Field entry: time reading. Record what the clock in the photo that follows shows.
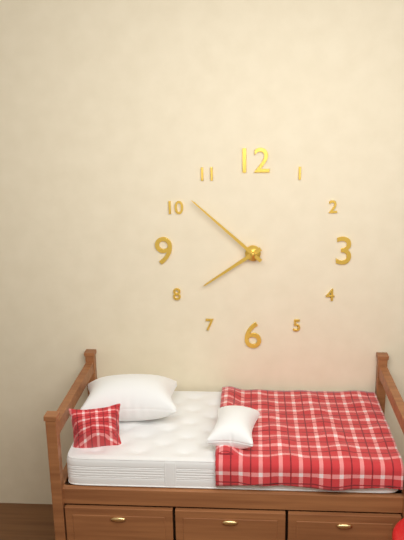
7:52
